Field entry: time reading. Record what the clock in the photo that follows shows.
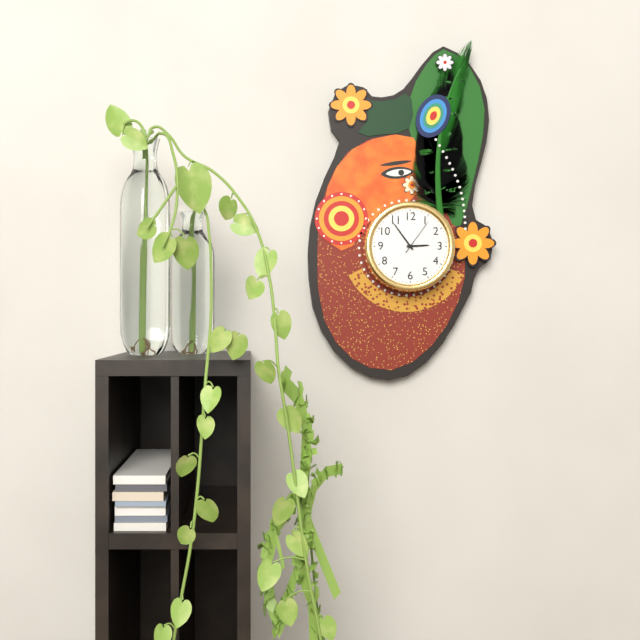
2:54
